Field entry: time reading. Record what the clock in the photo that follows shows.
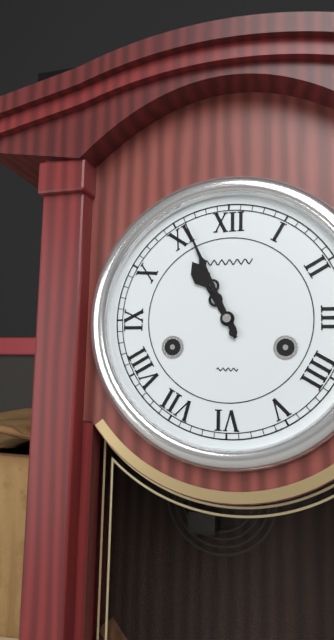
10:56
